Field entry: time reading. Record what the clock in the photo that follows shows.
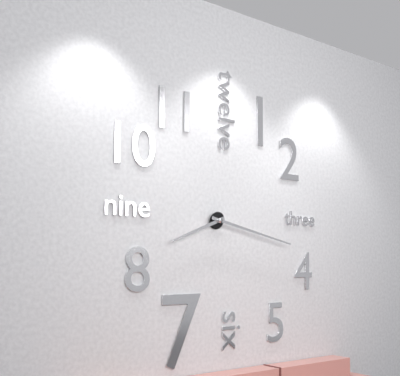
8:17
